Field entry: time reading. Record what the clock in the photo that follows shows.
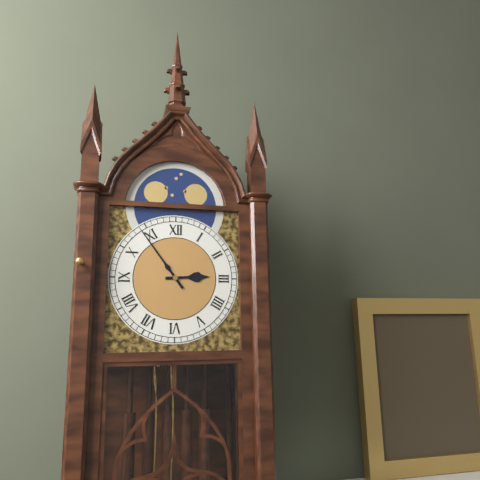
2:54
